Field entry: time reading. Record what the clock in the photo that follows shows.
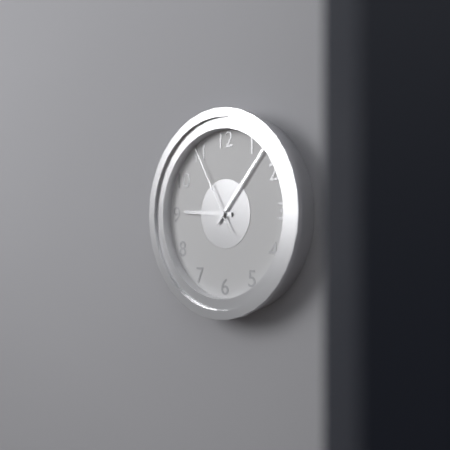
9:07:55
